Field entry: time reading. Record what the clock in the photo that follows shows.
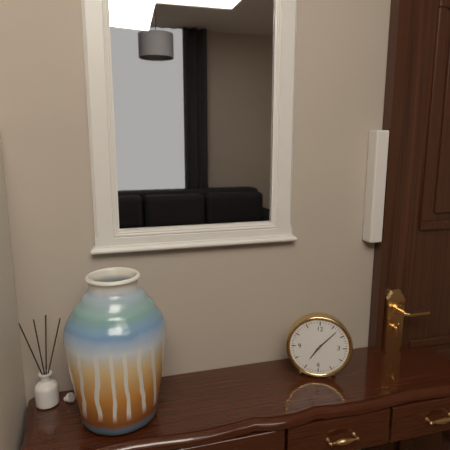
7:07
